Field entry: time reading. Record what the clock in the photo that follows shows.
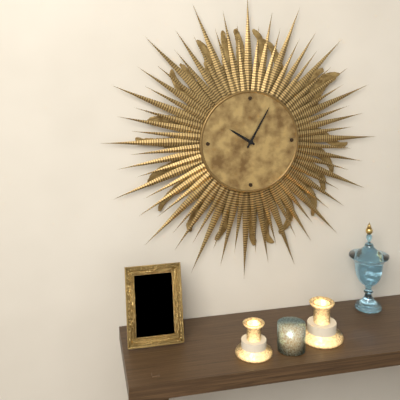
10:05
